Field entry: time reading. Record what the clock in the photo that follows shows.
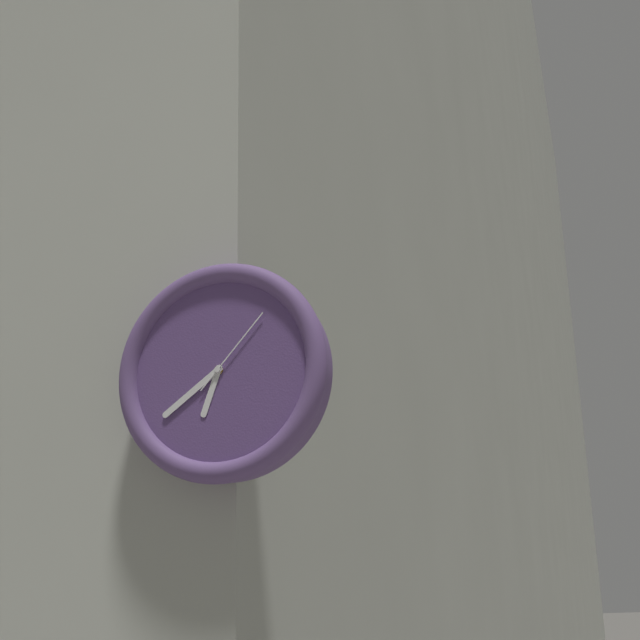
6:39:07
